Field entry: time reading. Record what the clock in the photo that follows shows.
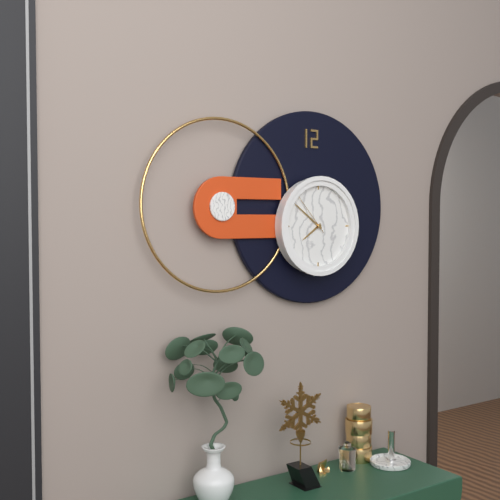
7:51
